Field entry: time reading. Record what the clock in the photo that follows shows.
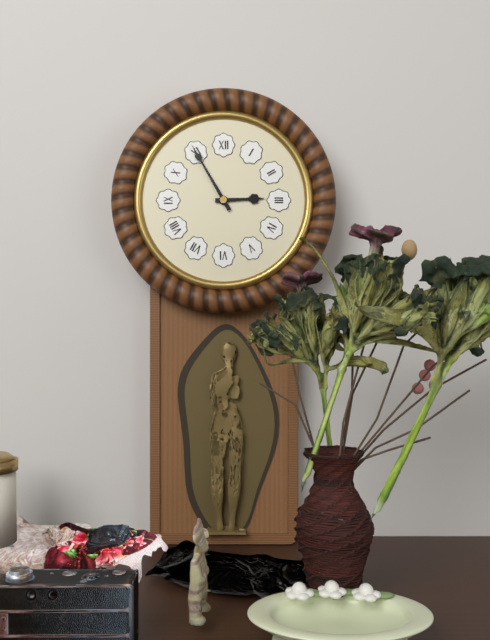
2:55
